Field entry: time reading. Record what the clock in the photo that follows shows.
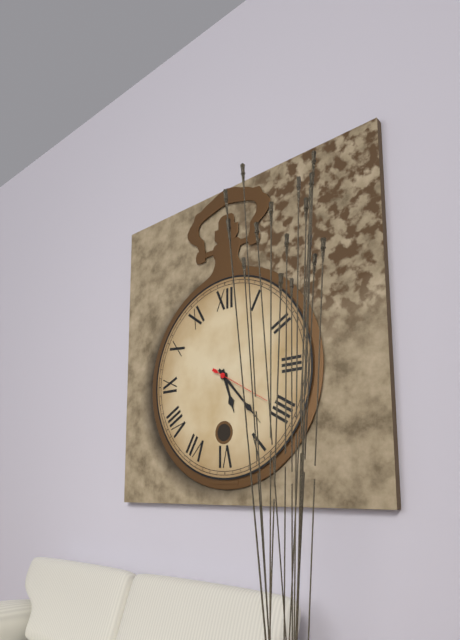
5:23:20
